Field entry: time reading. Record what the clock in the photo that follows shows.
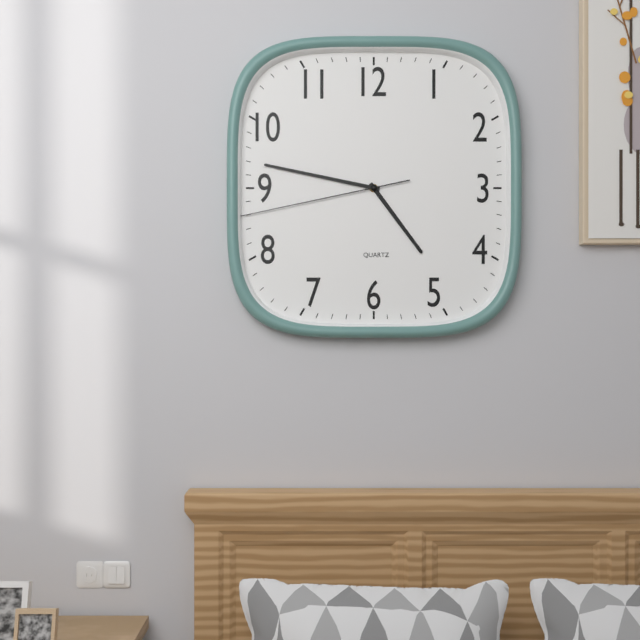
4:47:43
